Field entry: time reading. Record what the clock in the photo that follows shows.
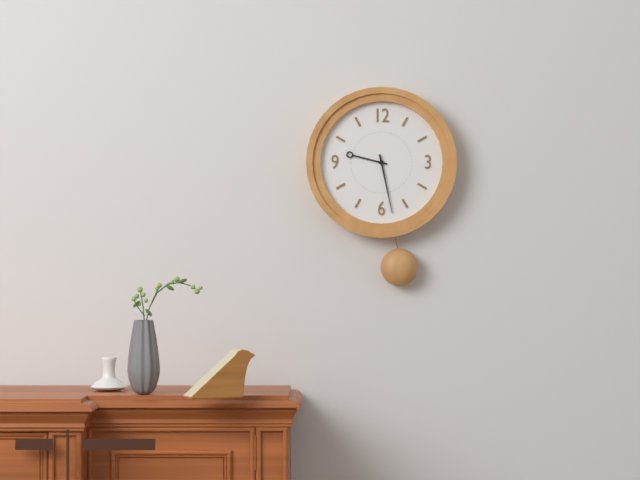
9:28
